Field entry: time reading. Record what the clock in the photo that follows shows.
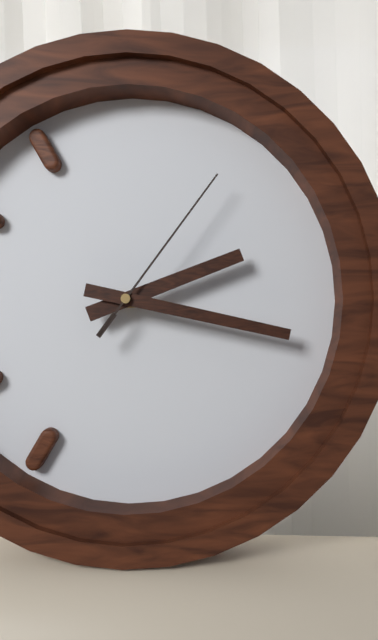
2:17:06
